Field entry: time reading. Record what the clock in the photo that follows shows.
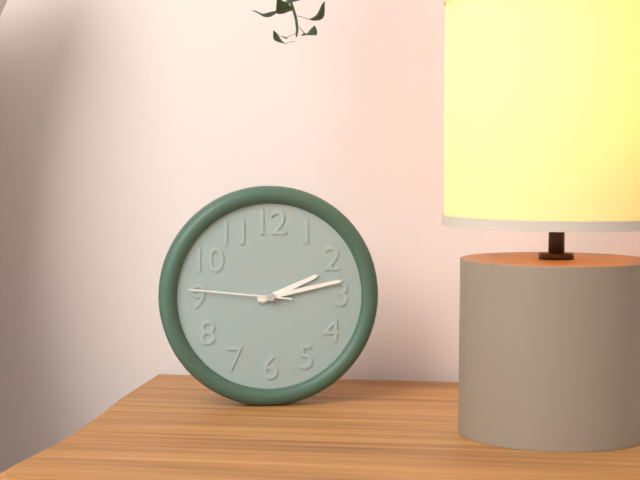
2:13:46
